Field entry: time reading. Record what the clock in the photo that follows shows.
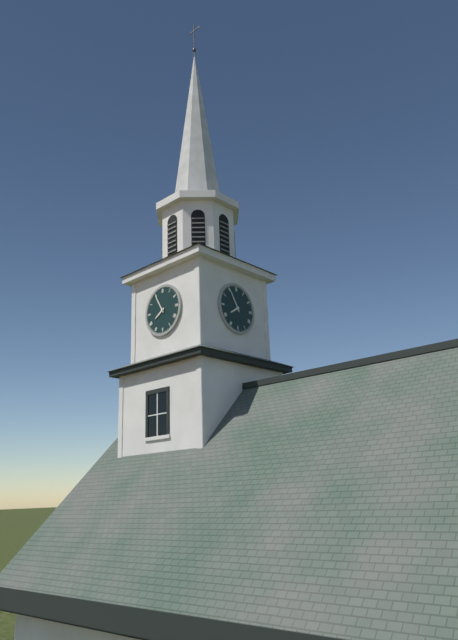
7:55
